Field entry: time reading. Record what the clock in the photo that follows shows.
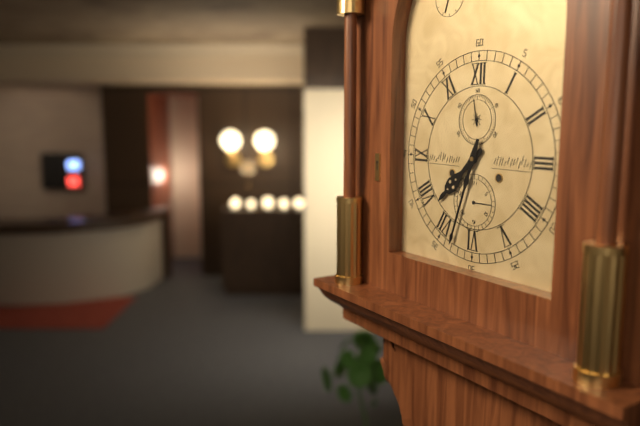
7:33
